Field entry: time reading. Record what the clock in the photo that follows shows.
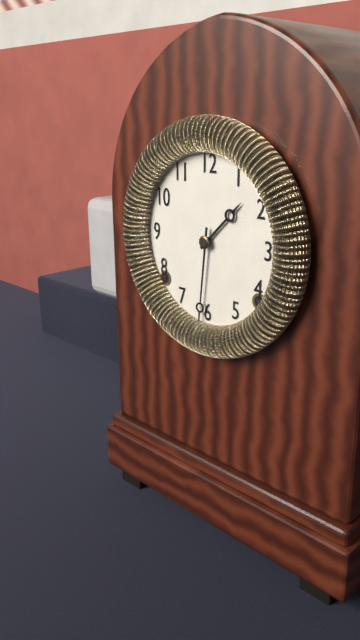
1:31
